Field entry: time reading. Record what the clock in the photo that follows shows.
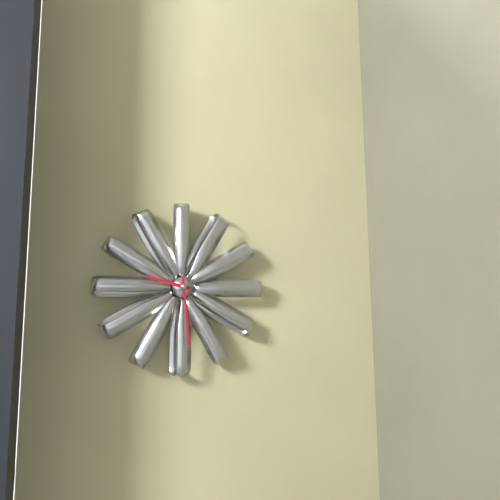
9:29
